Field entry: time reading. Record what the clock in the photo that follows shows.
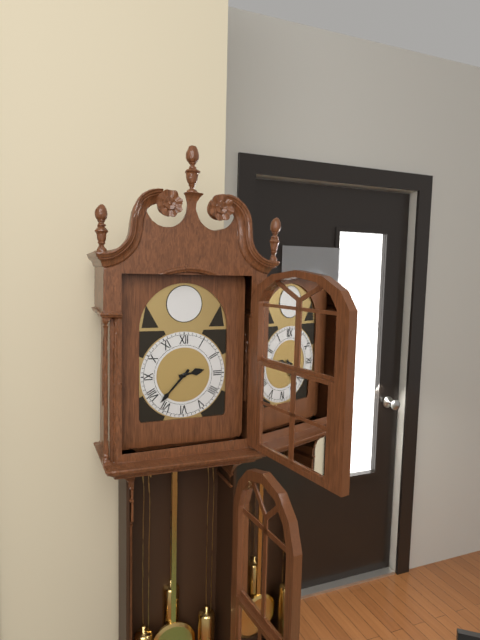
2:37
